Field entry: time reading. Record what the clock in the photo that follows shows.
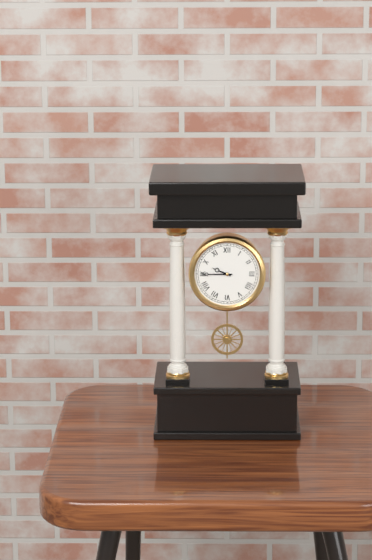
9:45
